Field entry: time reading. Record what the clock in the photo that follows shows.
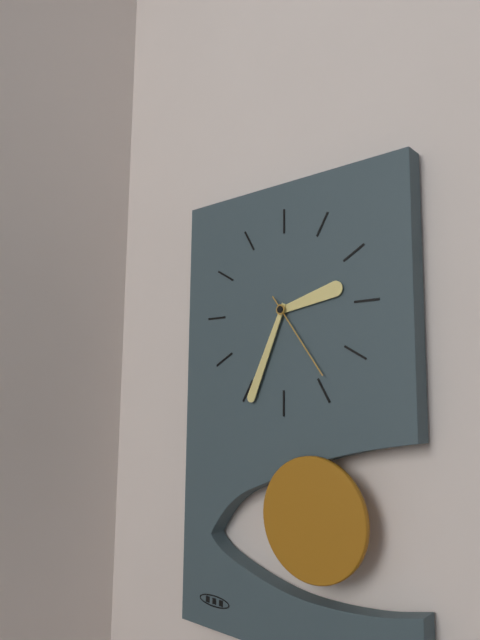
2:34:24
